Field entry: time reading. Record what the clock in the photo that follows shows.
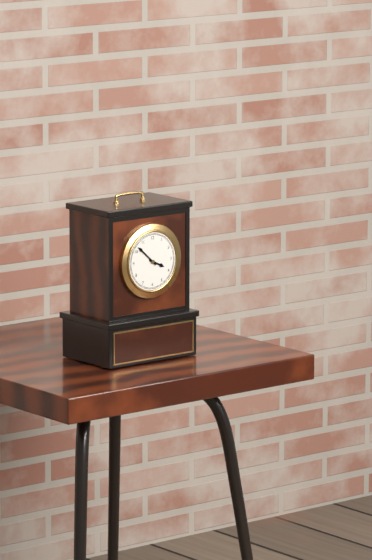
3:52
